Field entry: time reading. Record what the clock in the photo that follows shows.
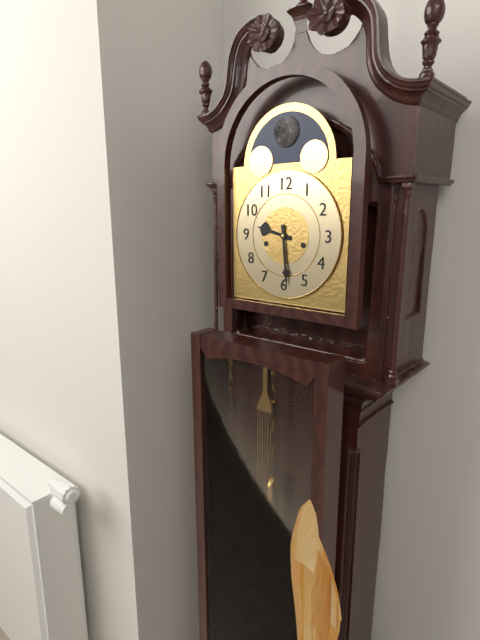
9:29
